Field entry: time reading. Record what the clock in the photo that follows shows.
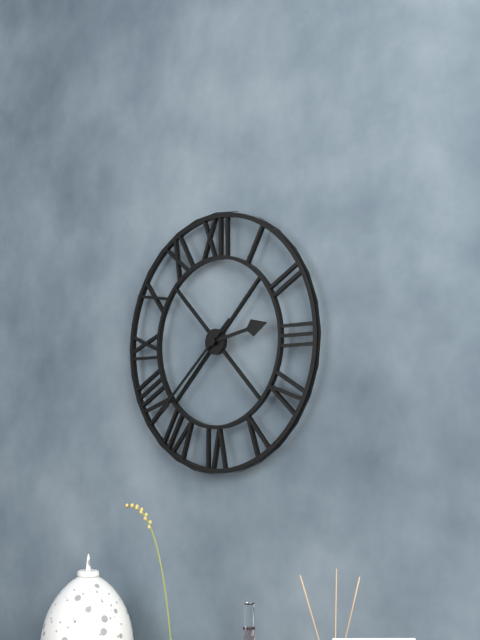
2:38
